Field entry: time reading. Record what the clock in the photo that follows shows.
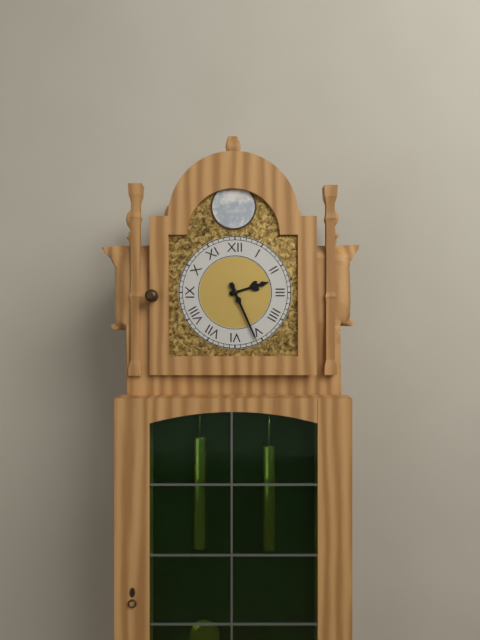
2:26
